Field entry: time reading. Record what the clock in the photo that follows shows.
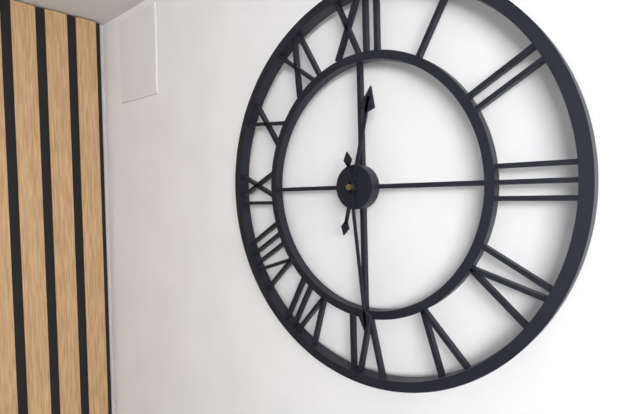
12:29
